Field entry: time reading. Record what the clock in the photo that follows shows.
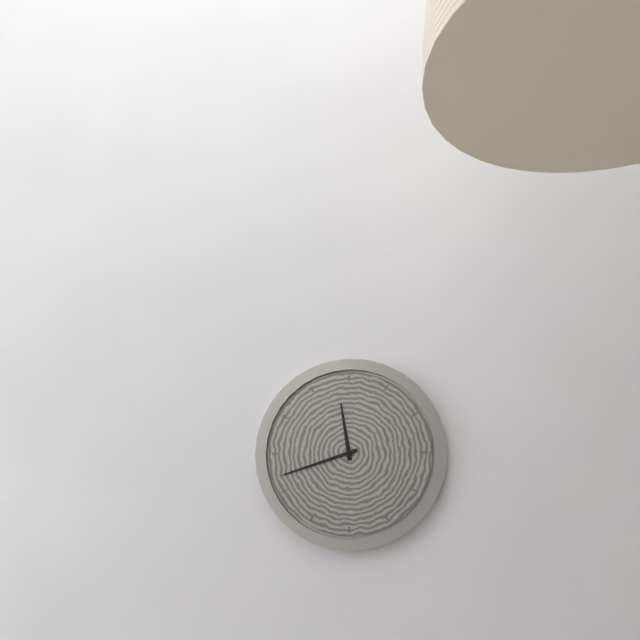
11:42
